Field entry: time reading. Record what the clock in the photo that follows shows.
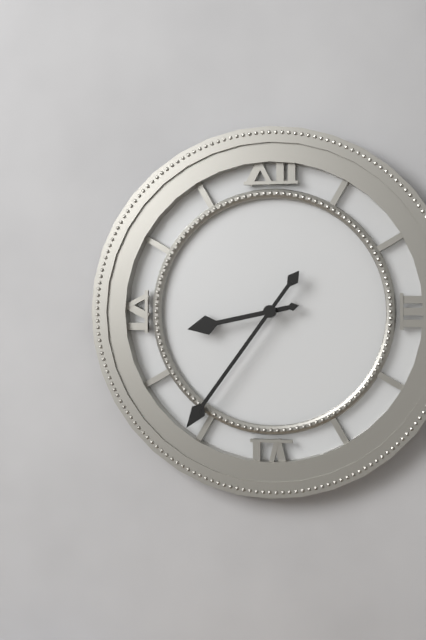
8:36
